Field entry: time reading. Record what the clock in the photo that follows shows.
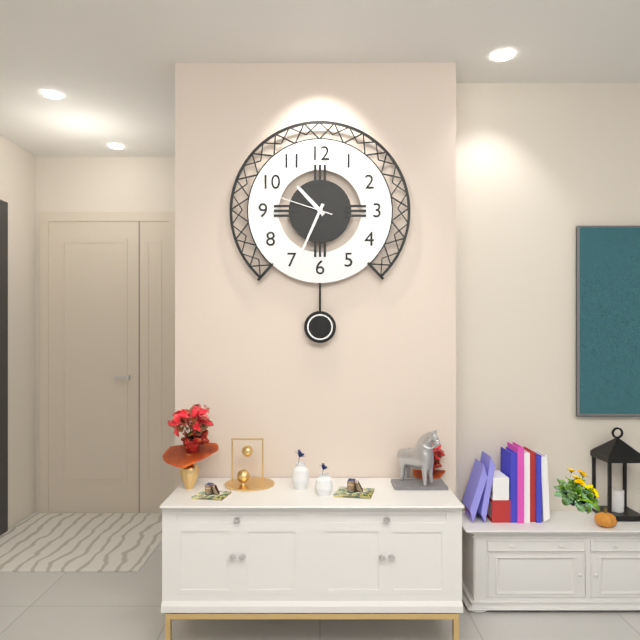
10:34:48
